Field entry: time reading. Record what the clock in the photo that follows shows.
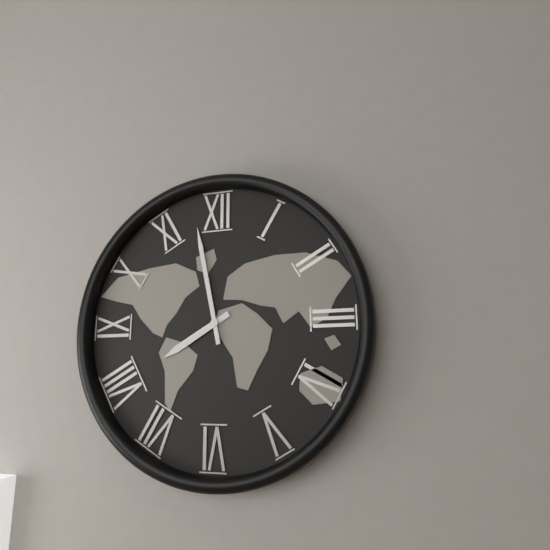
7:58
